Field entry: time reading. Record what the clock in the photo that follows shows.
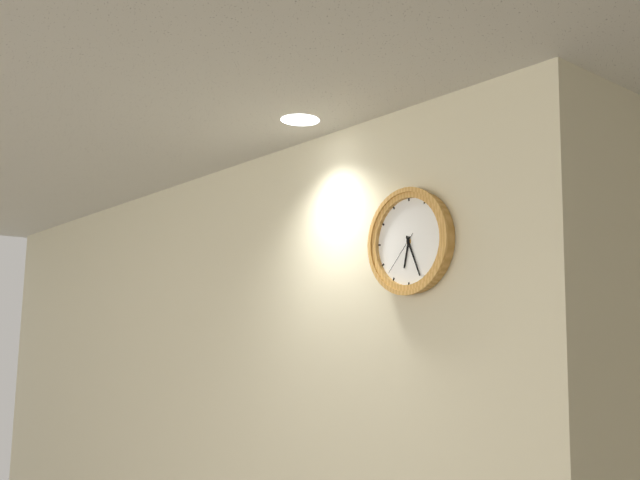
6:26
